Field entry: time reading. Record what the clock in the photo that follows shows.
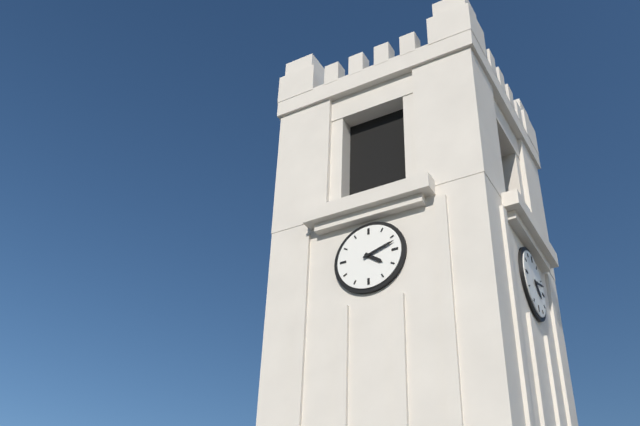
4:12
